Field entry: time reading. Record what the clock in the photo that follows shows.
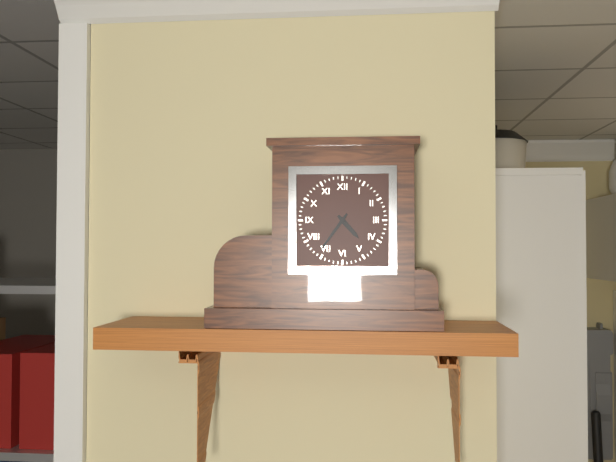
4:36
